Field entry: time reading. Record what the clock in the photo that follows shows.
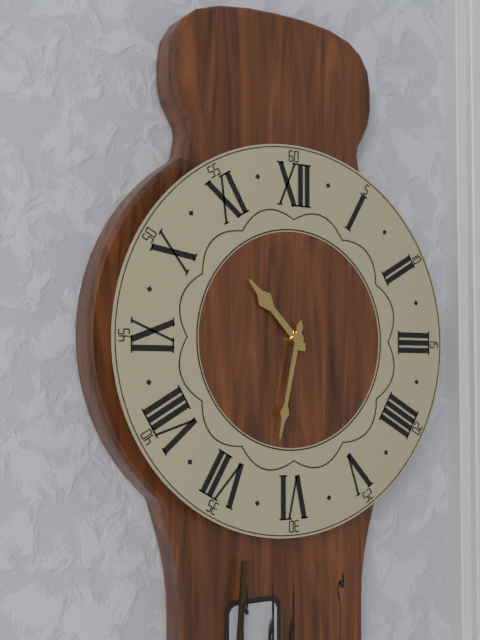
10:32
